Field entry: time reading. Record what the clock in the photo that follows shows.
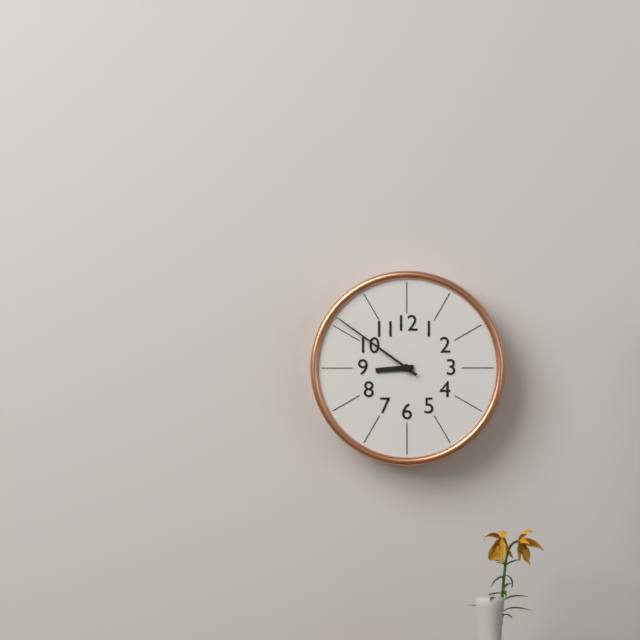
8:51
